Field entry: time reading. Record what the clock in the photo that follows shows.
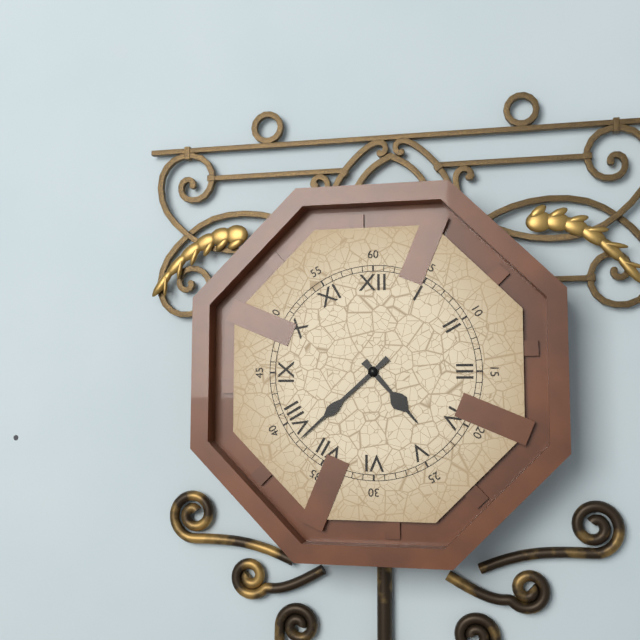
4:38
